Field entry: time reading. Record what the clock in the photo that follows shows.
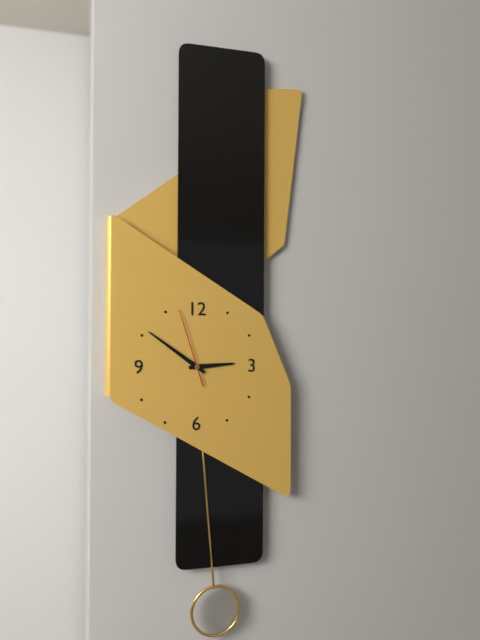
2:51:57
